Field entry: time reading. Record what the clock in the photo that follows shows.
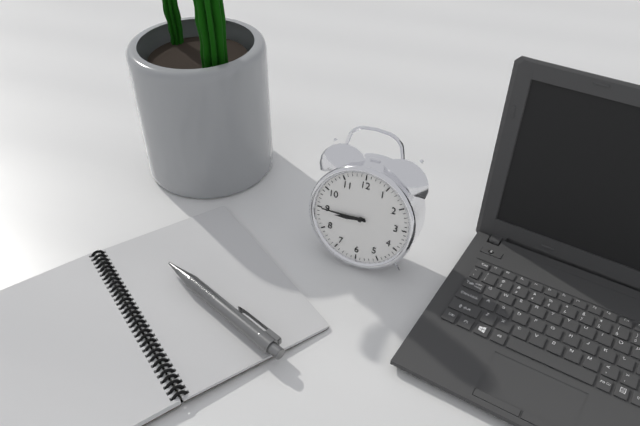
8:45
